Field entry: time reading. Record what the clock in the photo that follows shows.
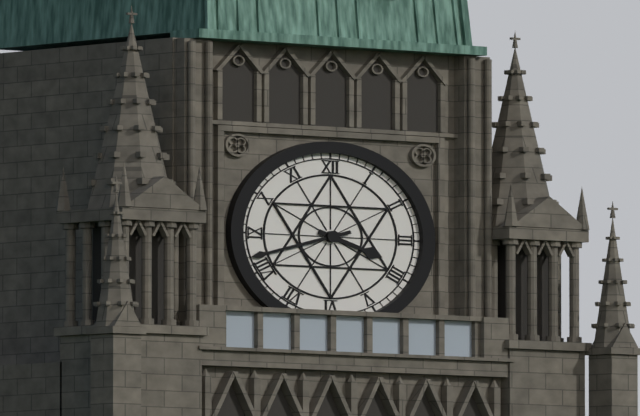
3:42
